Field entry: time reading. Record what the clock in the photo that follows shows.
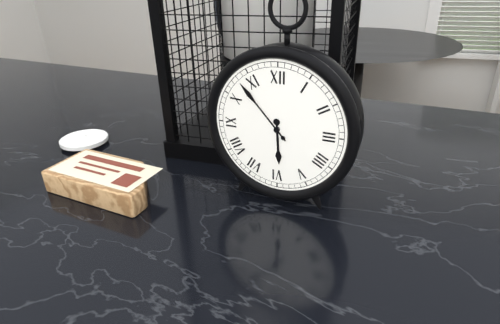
5:53
